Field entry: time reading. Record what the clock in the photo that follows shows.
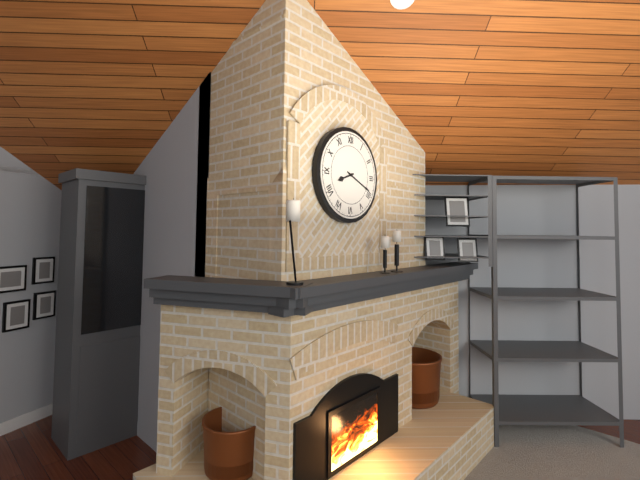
8:19
